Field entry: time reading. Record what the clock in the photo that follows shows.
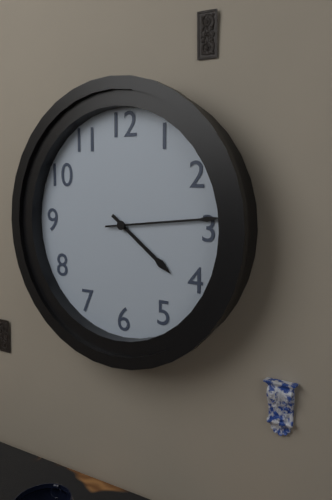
4:14
